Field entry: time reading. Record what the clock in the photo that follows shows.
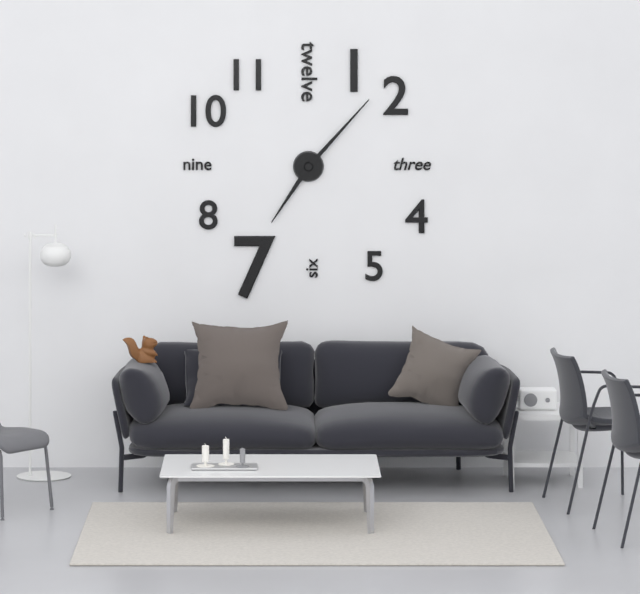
7:07
